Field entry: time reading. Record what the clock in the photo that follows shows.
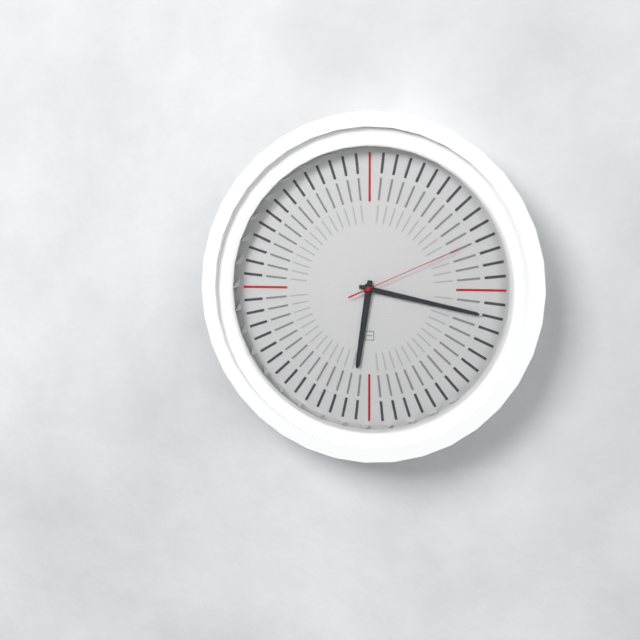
6:17:11
